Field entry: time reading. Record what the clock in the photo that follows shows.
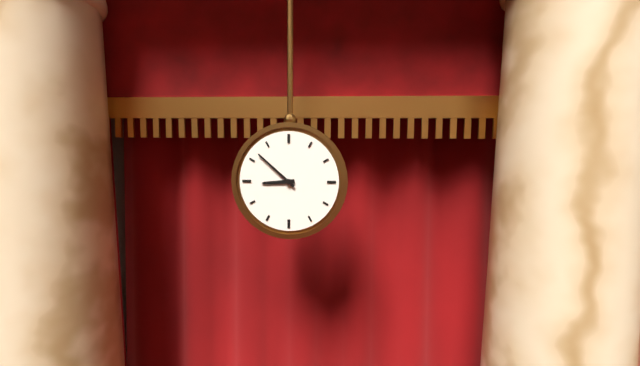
8:52
